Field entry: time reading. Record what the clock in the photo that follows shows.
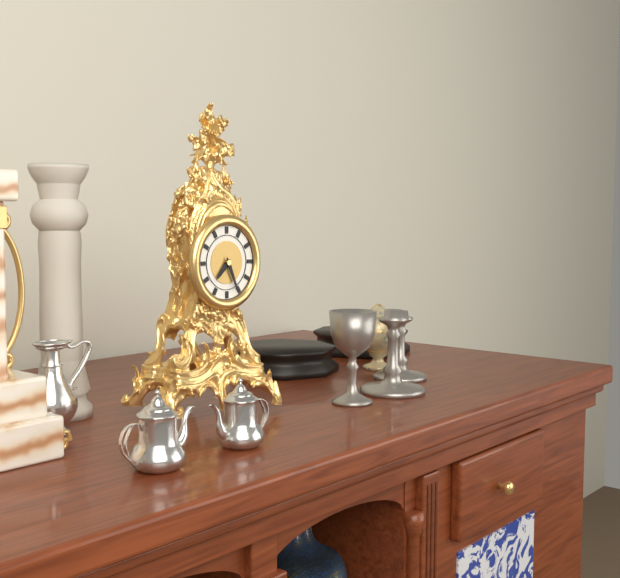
7:26
